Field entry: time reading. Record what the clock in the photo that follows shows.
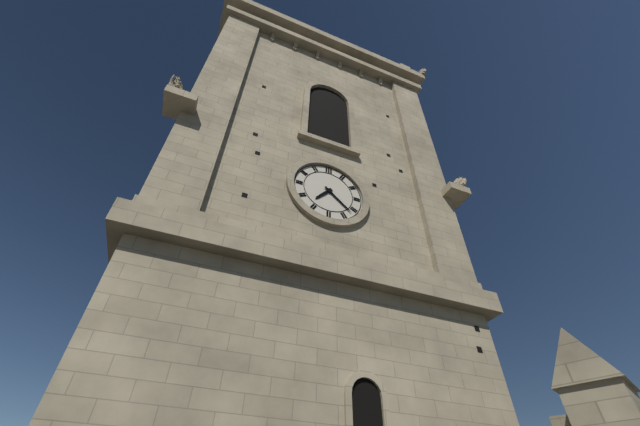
7:22
